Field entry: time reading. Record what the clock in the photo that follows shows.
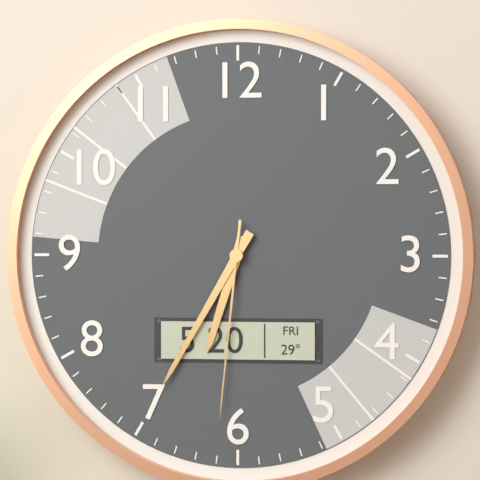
6:35:31
